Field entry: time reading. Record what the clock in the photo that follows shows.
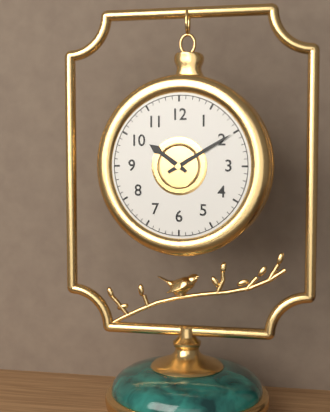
10:10
